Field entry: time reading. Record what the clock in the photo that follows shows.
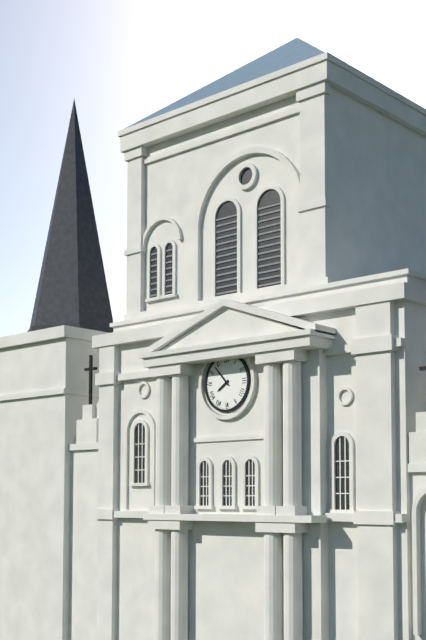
7:53
